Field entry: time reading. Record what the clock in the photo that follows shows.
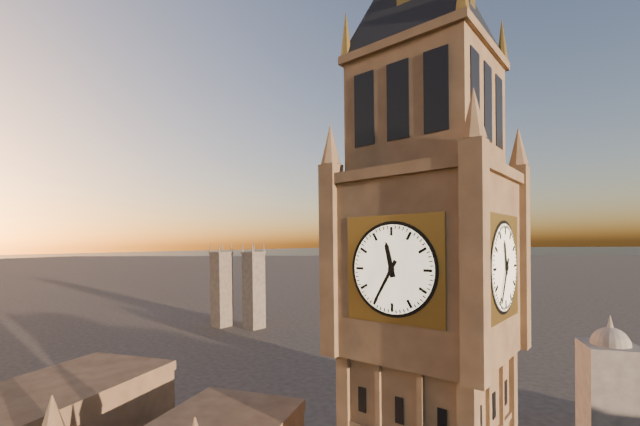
11:35
